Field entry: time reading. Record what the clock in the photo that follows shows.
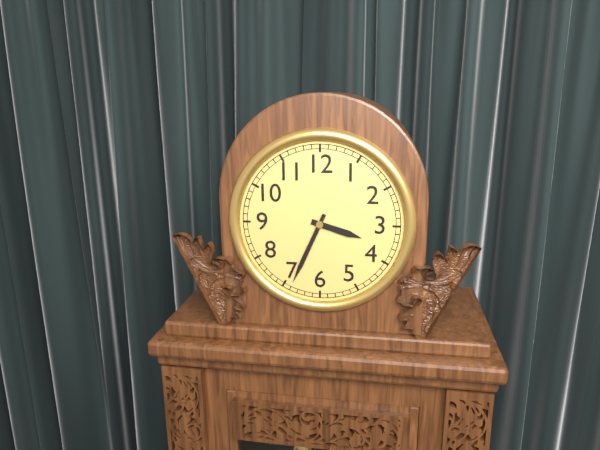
3:34
